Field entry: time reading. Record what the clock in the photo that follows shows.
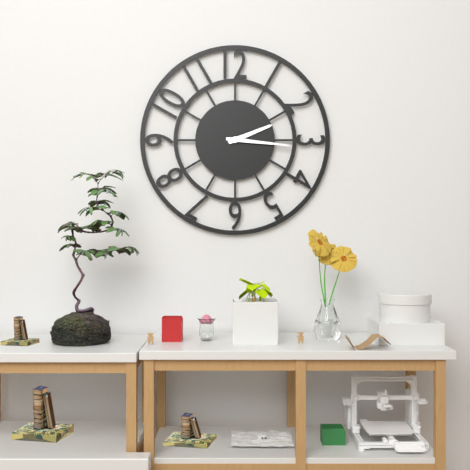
2:16
